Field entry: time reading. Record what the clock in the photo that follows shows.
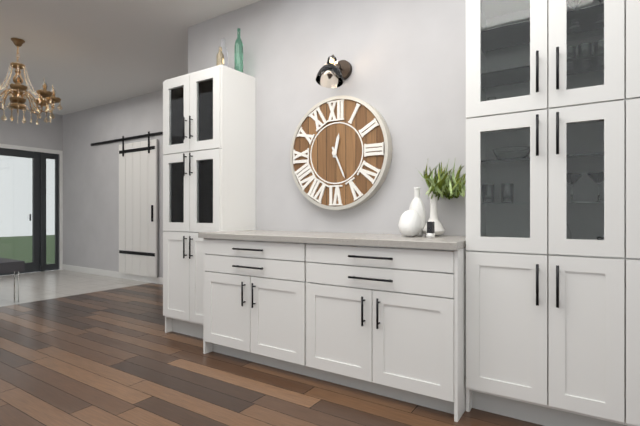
12:26
